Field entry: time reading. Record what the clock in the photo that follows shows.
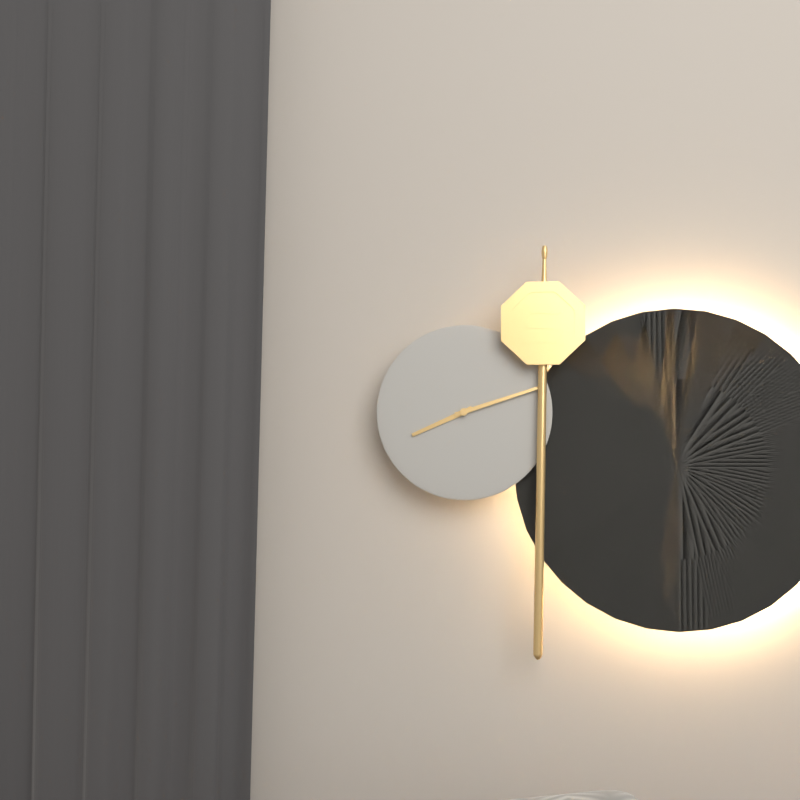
8:12
